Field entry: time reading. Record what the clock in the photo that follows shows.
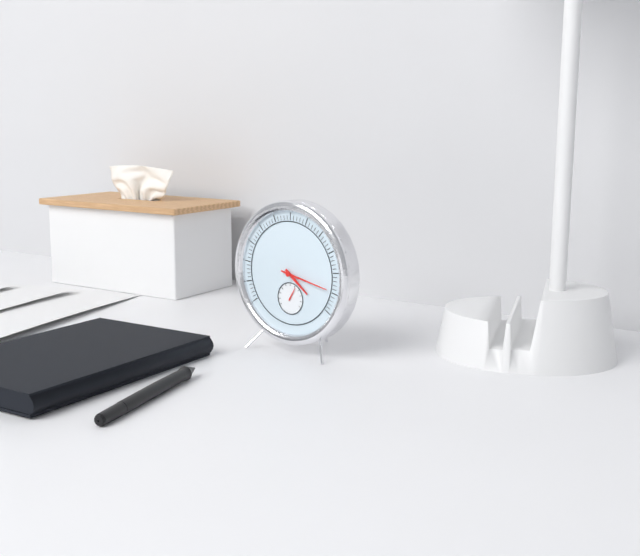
4:17
